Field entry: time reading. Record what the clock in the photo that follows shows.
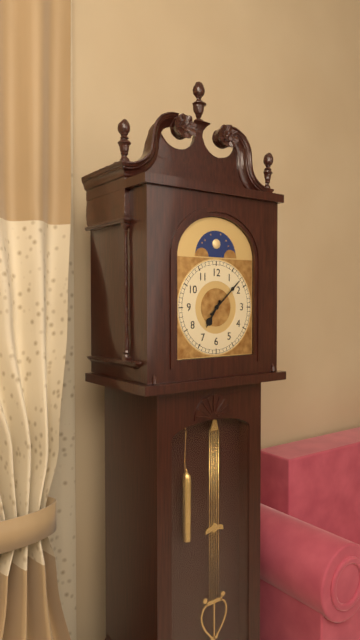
7:08
